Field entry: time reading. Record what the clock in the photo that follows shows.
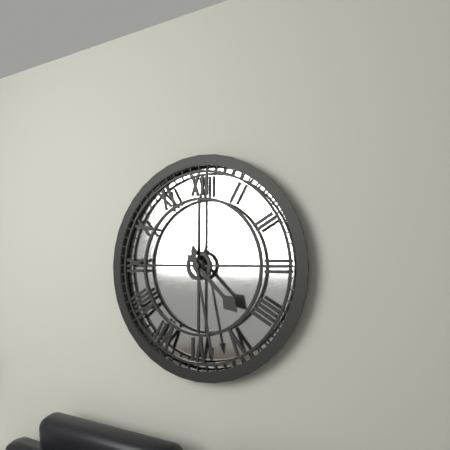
4:28
